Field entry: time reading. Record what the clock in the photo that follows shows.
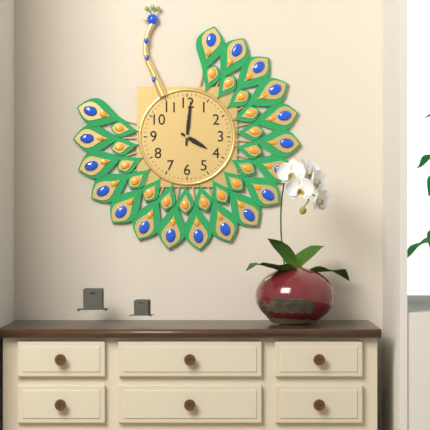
4:01
